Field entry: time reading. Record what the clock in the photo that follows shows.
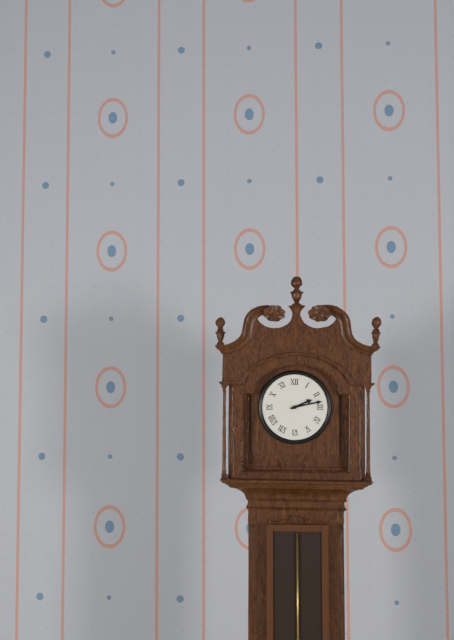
2:13
